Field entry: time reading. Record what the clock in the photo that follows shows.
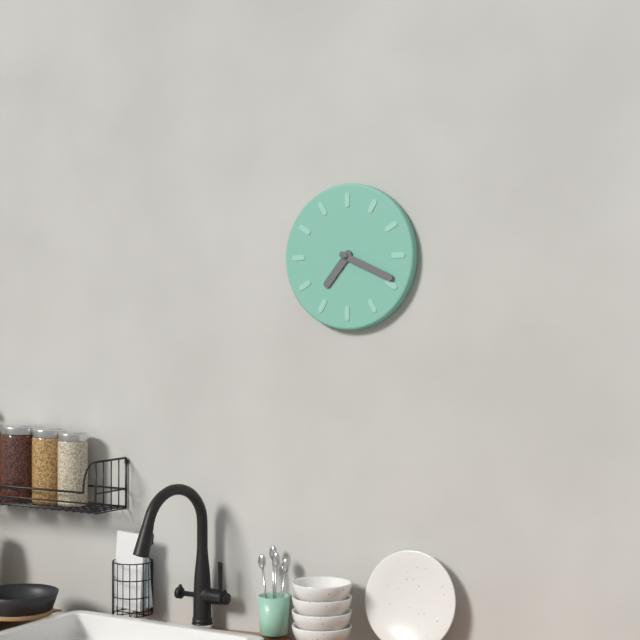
7:19
